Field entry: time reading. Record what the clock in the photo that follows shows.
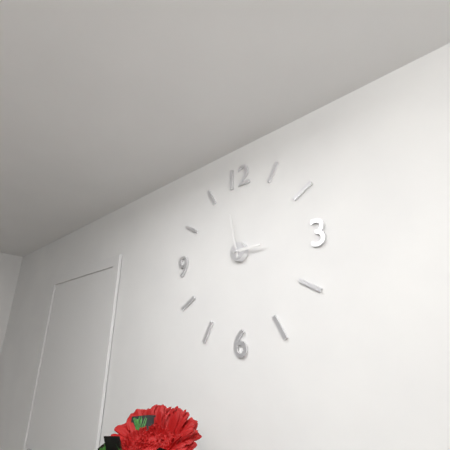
2:58
